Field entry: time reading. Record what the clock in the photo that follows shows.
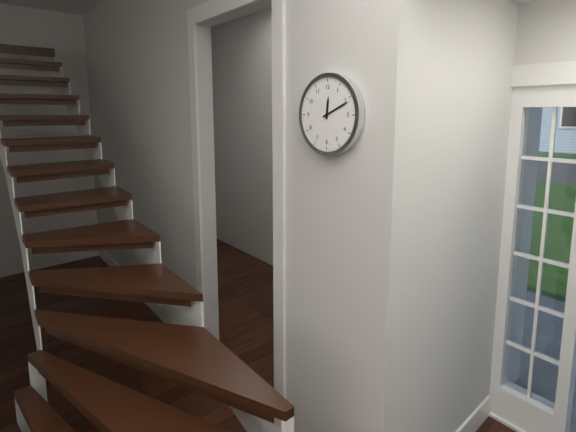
12:11
